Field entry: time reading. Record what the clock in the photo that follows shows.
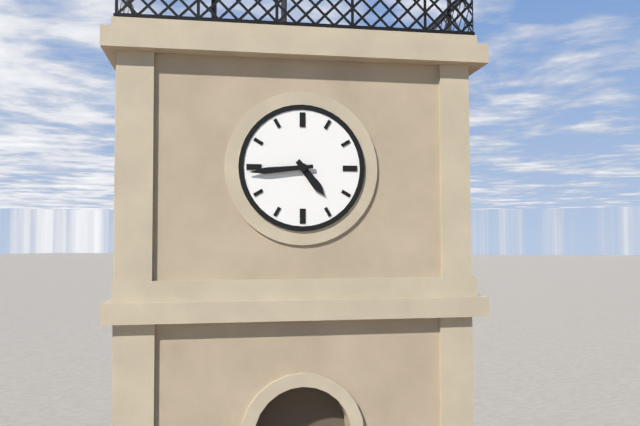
4:44
